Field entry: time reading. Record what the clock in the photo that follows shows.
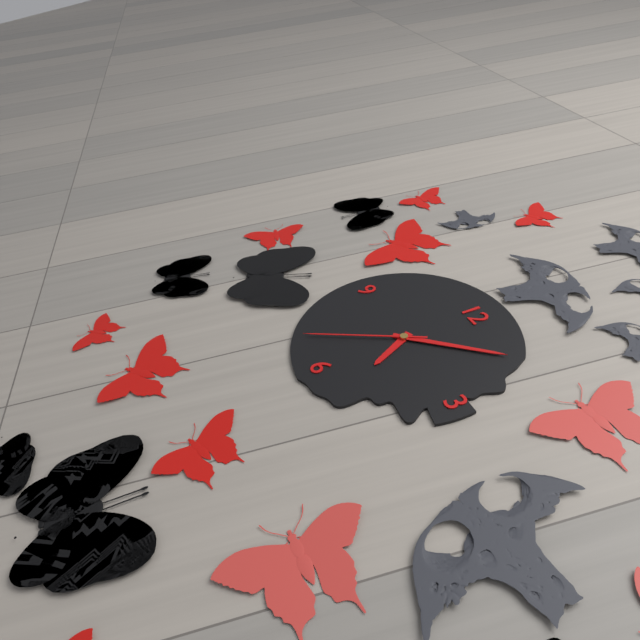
5:07:35
